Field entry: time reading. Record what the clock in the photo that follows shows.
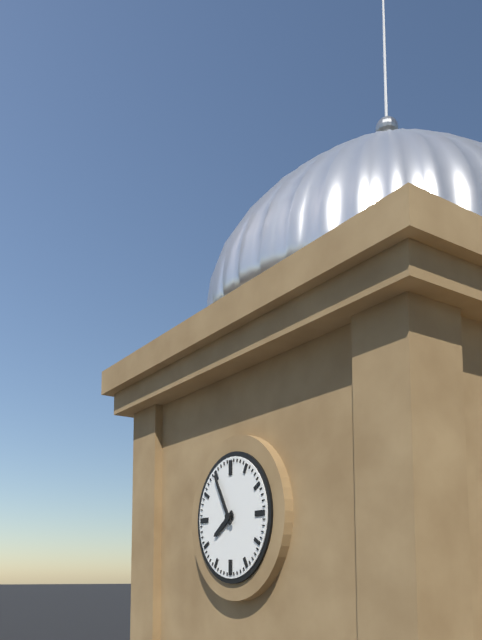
7:55
